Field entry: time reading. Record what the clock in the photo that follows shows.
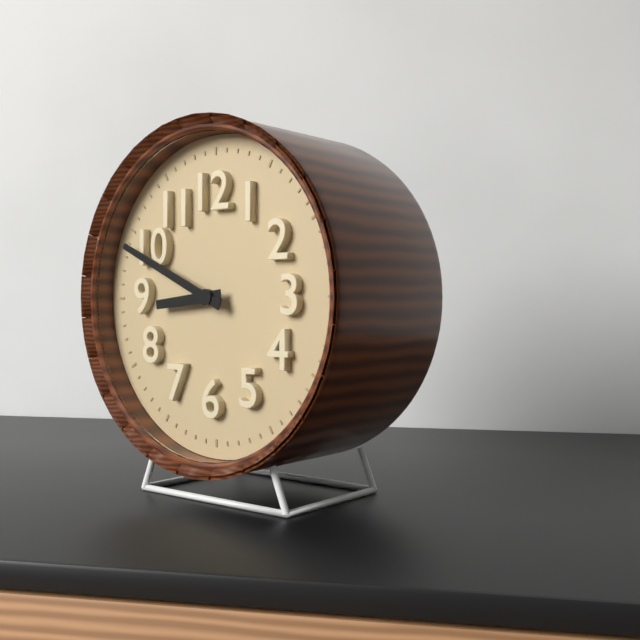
8:49
